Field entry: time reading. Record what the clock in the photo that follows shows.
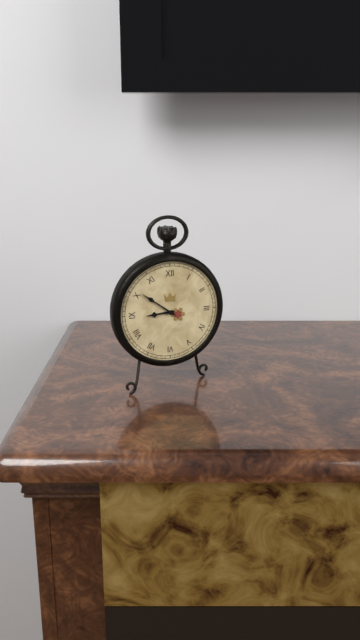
8:51
